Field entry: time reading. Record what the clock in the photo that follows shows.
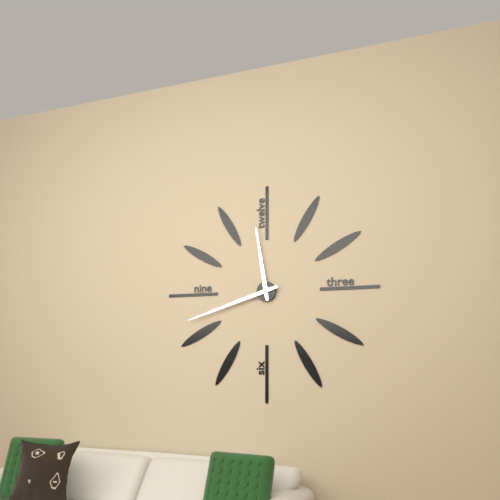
11:42
